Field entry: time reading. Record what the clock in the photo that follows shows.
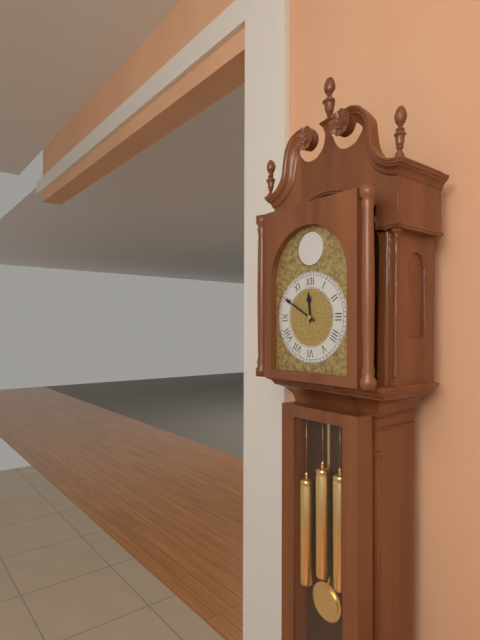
11:50
